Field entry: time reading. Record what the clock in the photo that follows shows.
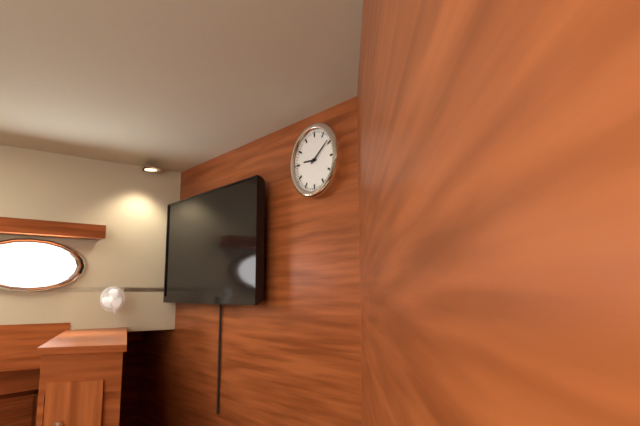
9:09
